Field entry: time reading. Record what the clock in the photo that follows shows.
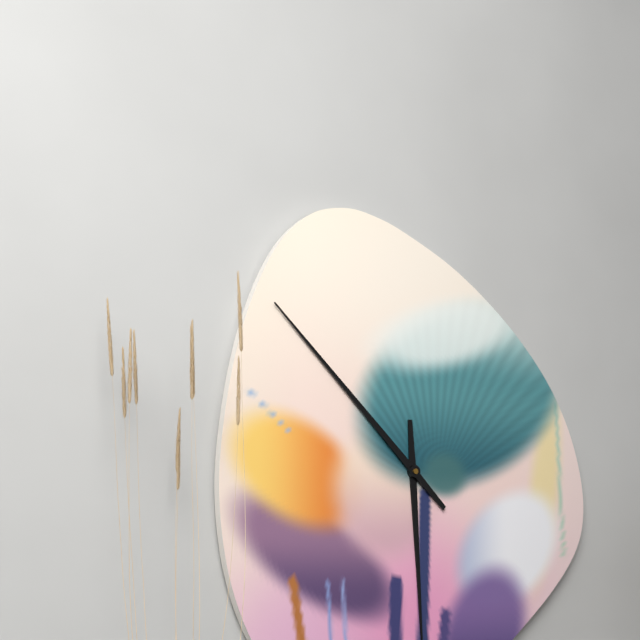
5:52
